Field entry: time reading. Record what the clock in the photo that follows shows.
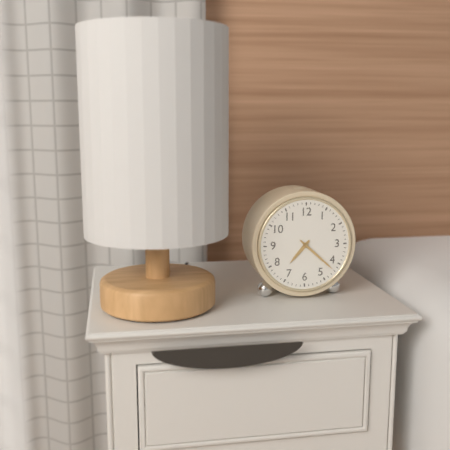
7:22
